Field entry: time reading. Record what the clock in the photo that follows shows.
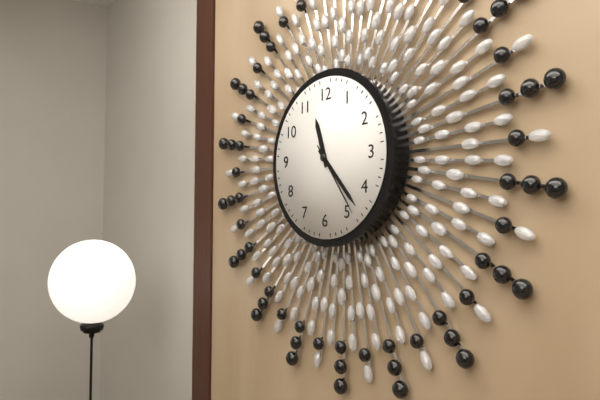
11:23:24
